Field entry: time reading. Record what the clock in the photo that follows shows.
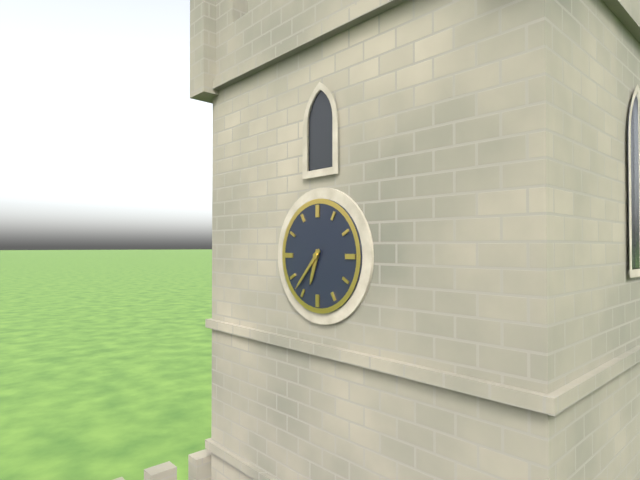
6:37
